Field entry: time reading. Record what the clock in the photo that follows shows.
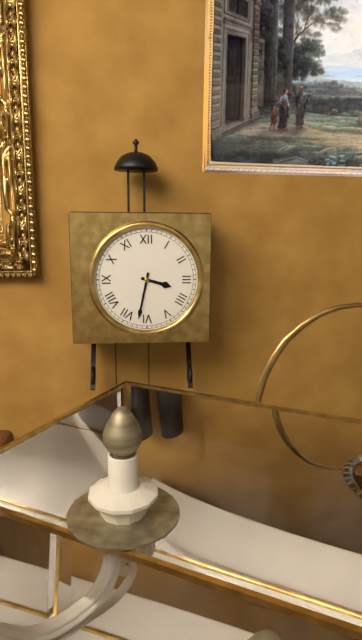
3:32
